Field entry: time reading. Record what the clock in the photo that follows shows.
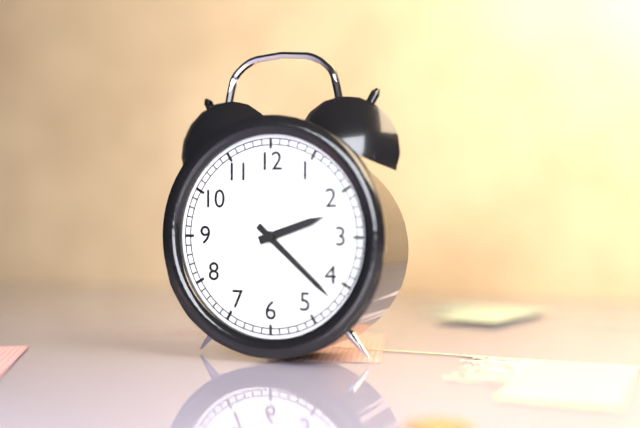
2:22
